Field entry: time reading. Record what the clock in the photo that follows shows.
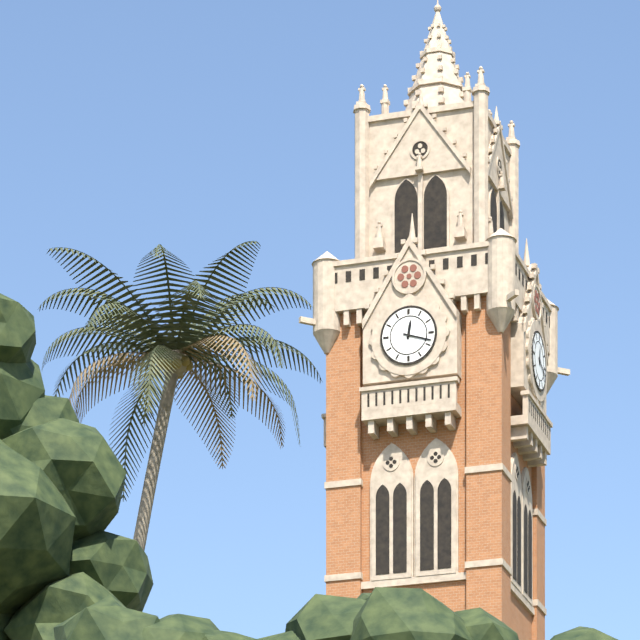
12:18
